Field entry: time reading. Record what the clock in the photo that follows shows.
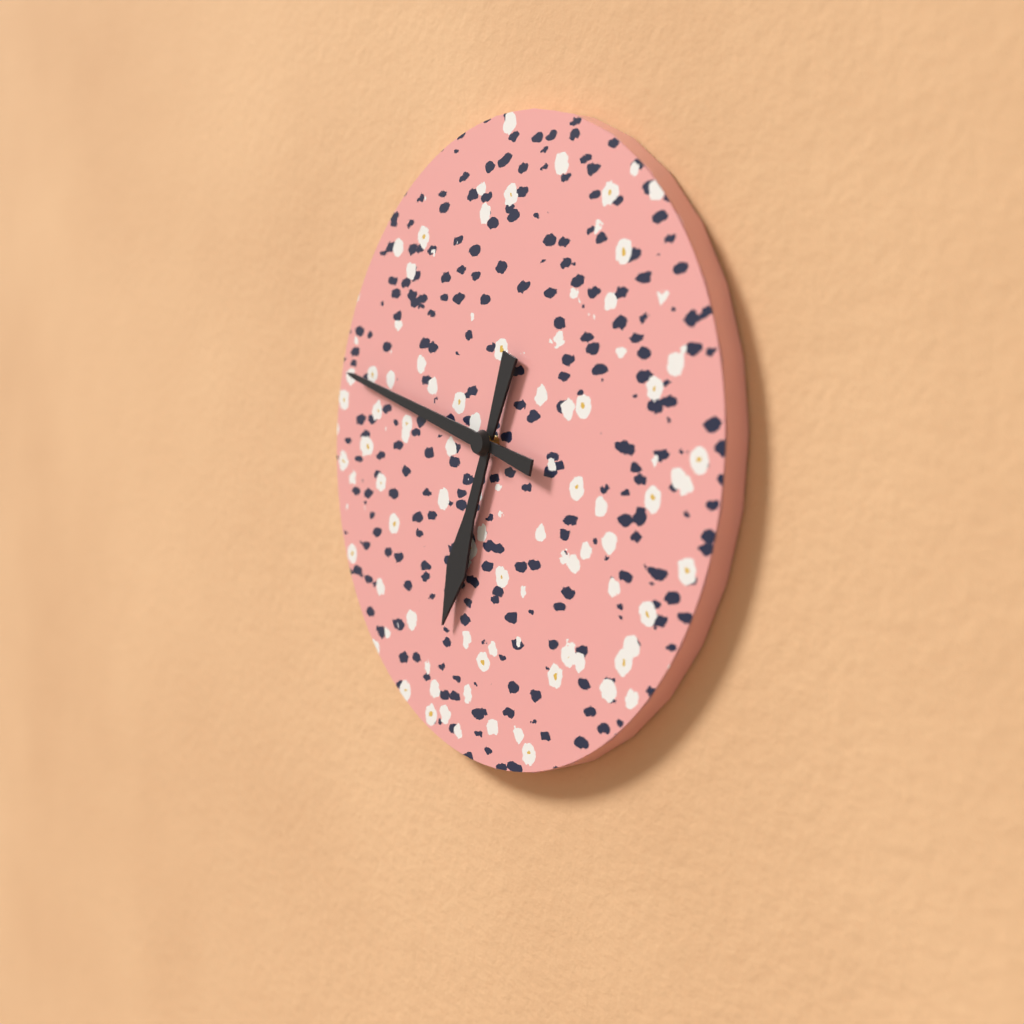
6:48
